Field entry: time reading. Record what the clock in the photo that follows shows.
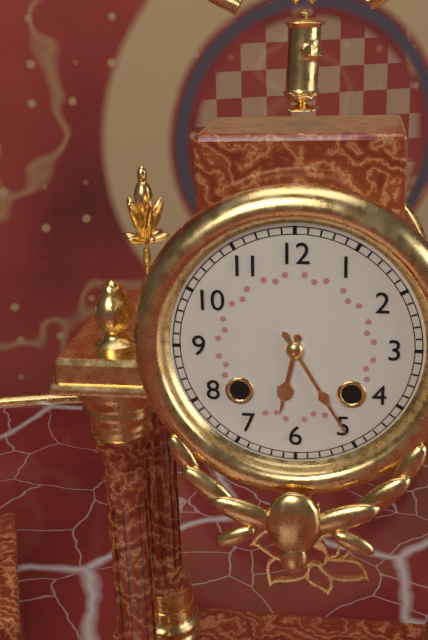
6:25
